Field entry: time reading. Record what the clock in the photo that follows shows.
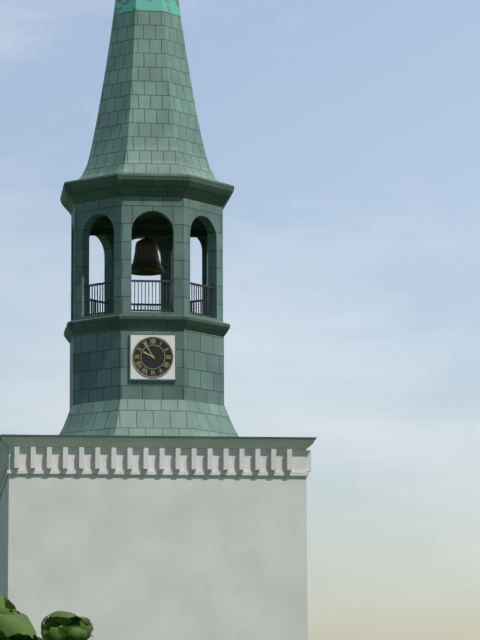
9:55
